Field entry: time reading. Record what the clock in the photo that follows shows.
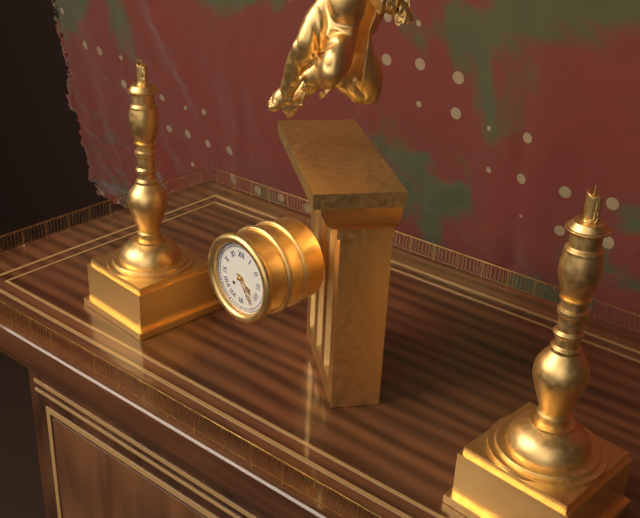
4:24
